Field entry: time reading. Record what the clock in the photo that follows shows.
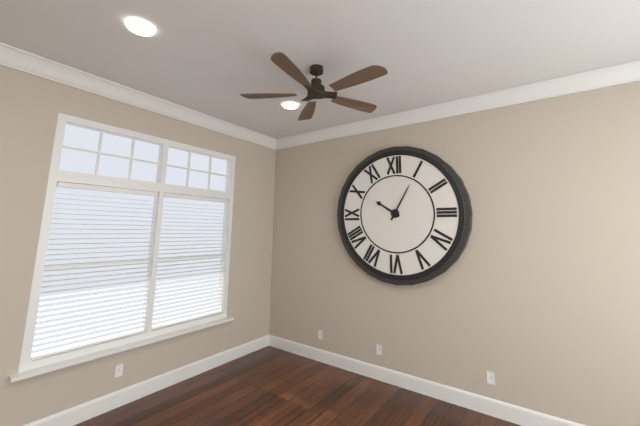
10:05
